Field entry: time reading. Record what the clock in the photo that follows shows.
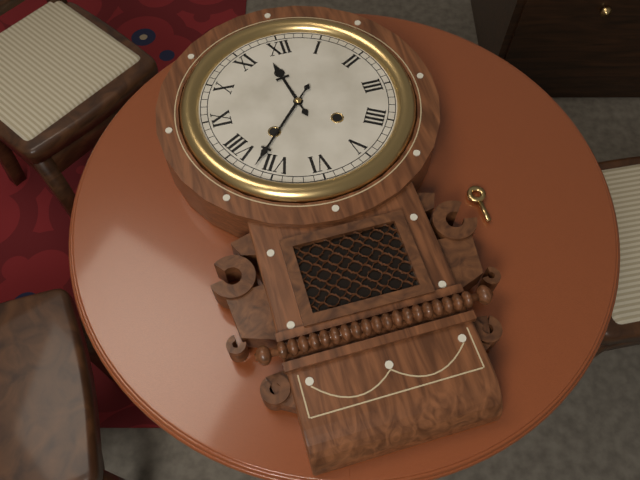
11:37
